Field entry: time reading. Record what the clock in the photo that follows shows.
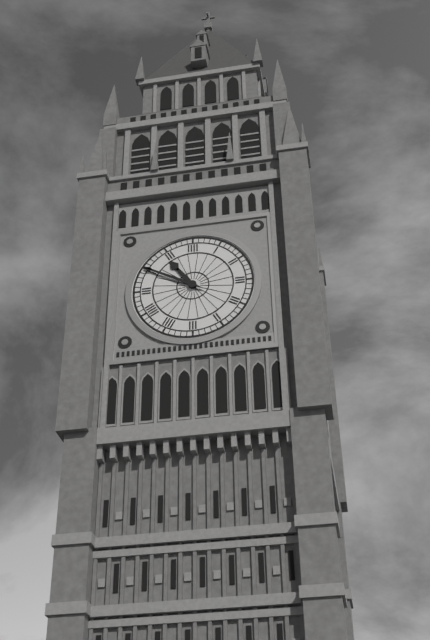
10:50
